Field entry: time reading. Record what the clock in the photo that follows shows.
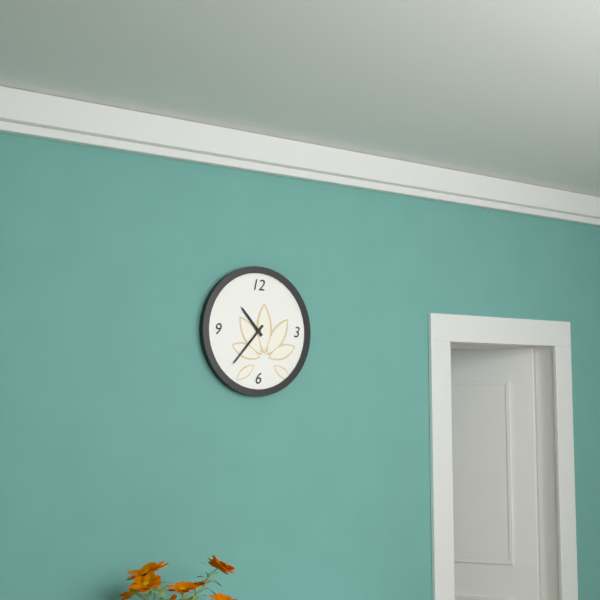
10:37
